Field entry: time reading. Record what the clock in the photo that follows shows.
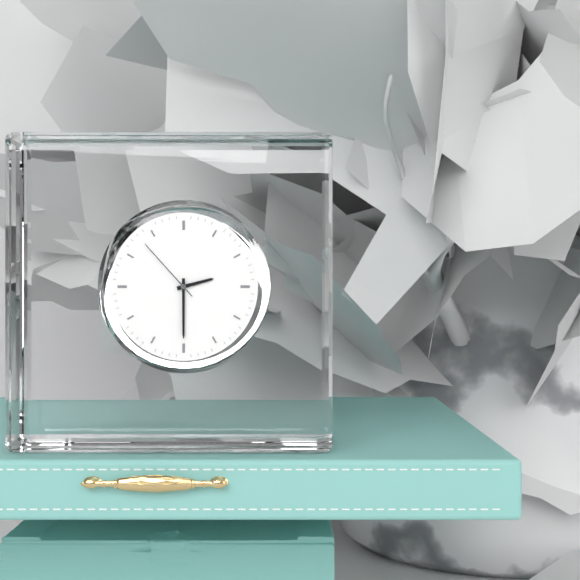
2:30:53
